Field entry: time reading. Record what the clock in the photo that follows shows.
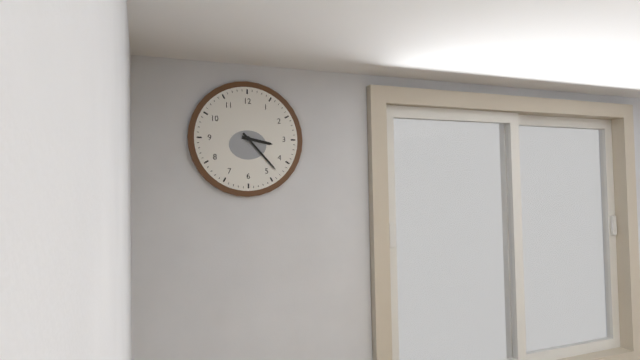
3:23
